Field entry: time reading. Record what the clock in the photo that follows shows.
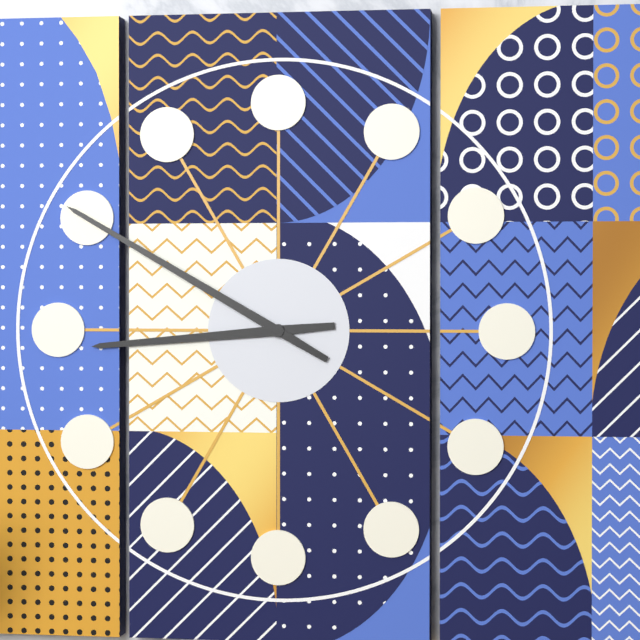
8:50
